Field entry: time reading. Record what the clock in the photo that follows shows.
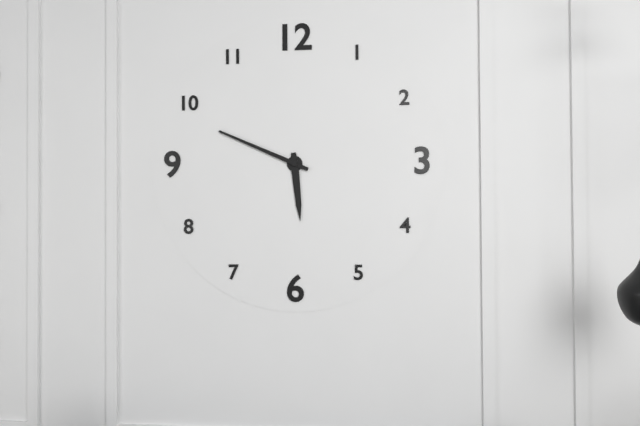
5:49
